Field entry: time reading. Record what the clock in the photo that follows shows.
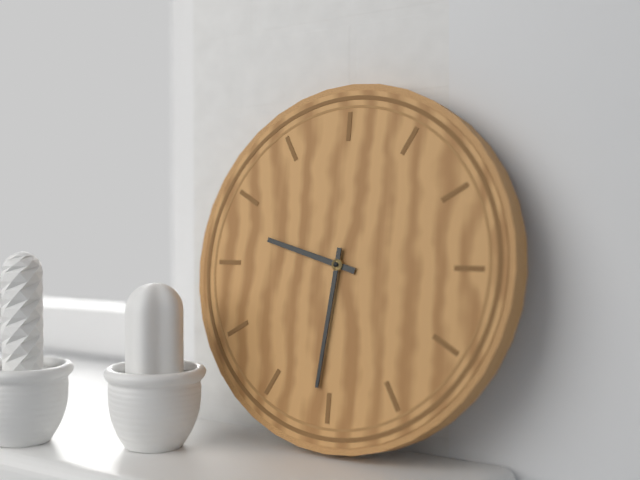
9:31
